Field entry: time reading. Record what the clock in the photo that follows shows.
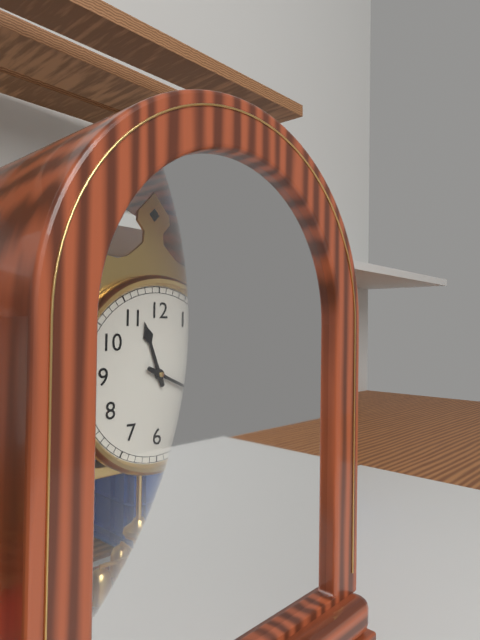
11:19
